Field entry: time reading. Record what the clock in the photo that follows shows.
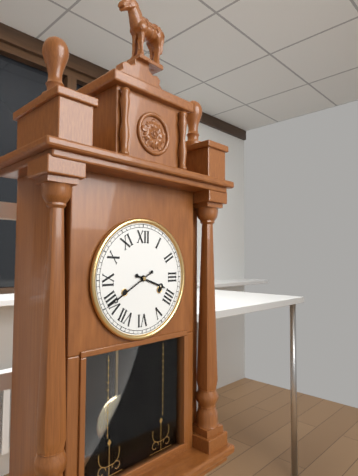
3:40
